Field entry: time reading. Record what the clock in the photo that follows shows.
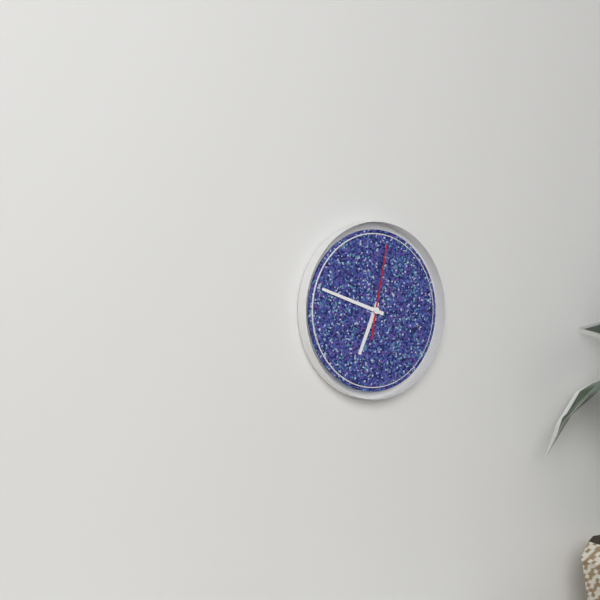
6:48:02
